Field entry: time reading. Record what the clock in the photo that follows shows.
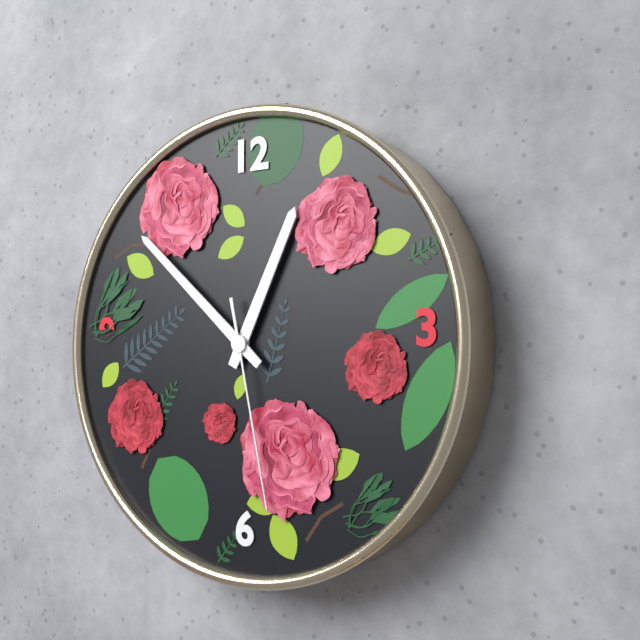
12:52:28
